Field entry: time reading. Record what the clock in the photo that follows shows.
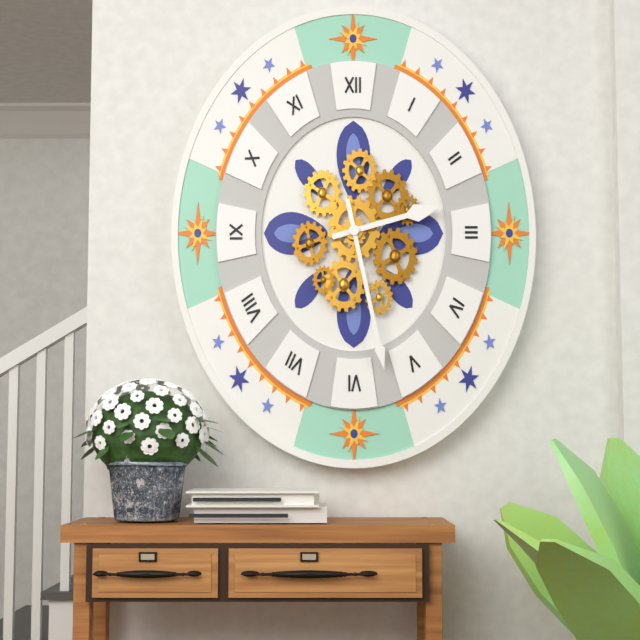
2:28
